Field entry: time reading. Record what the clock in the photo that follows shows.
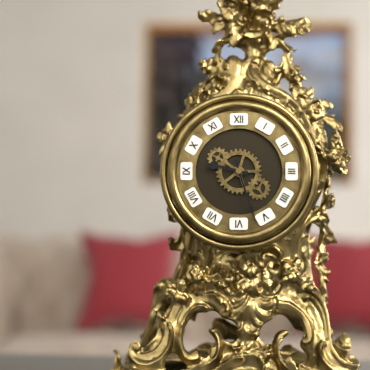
9:27
